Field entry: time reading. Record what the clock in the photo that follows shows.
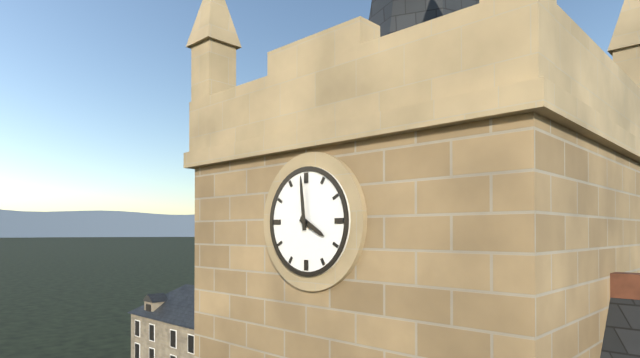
3:59
